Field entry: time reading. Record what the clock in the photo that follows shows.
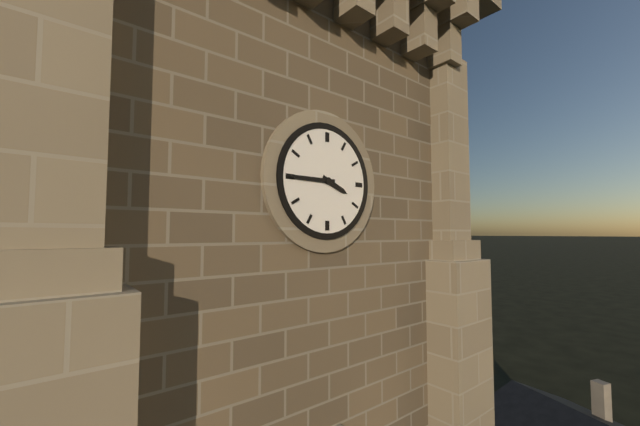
3:45
